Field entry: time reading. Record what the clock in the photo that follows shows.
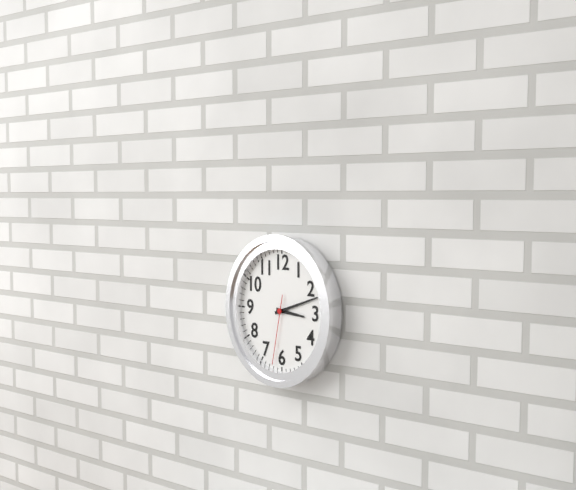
3:12:32
